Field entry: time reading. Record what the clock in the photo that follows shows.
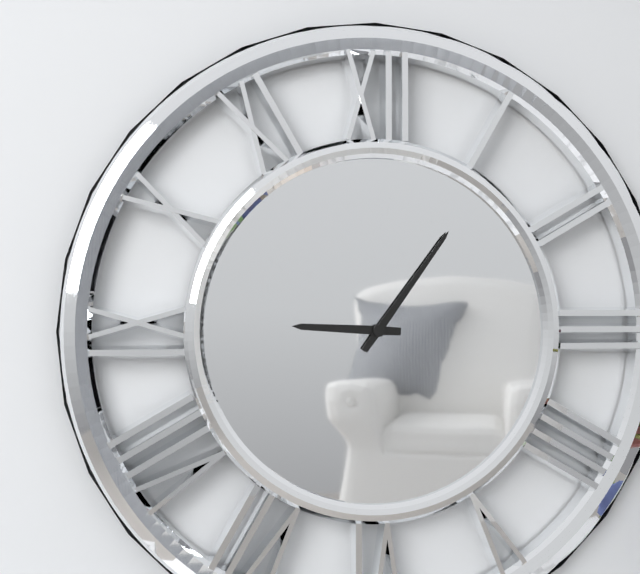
9:06
